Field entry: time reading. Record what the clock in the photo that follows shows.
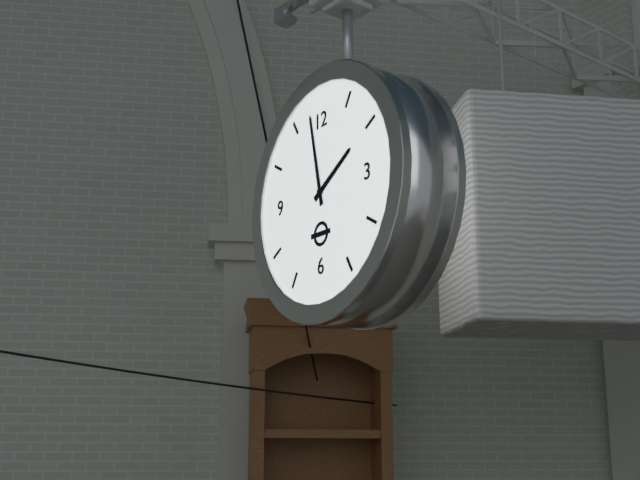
1:58
